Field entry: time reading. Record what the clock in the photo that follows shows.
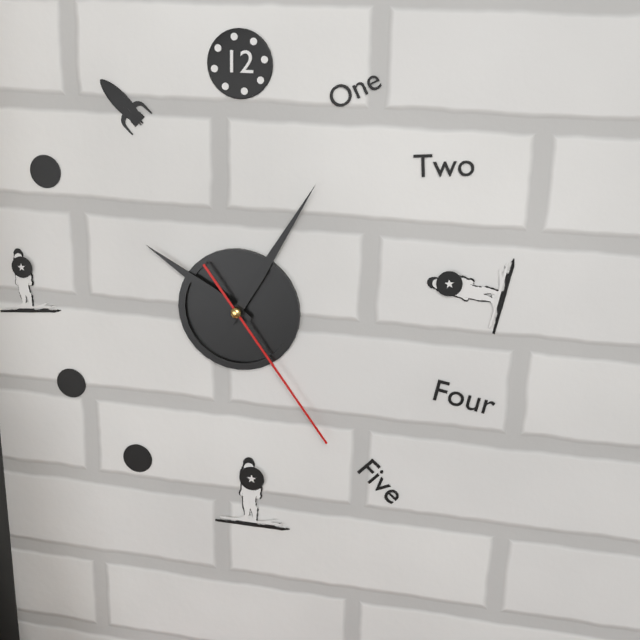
10:05:24
